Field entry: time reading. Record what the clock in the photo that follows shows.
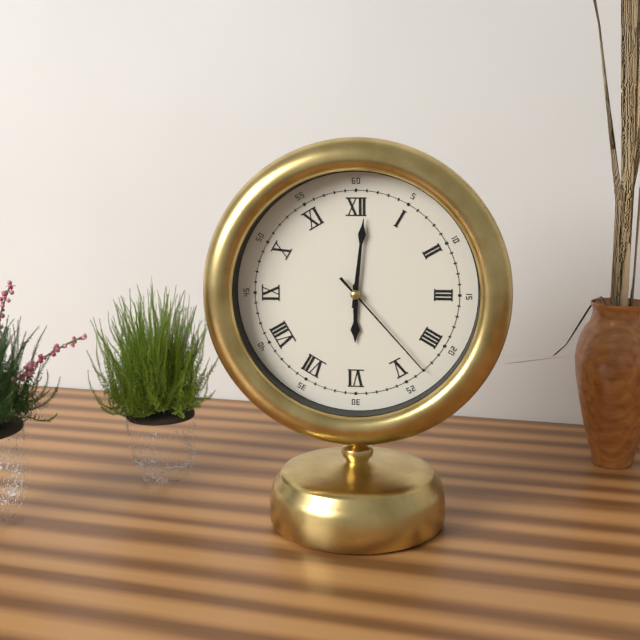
6:01:23
